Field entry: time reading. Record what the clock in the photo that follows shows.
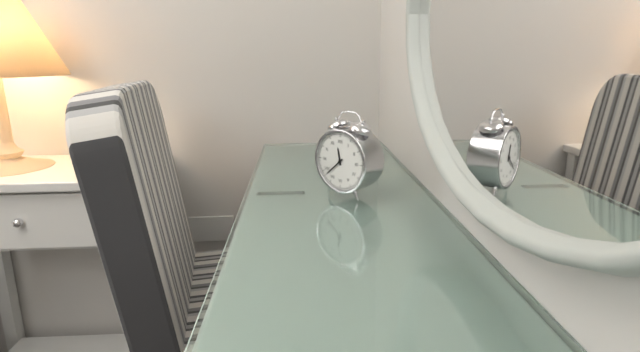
11:38
